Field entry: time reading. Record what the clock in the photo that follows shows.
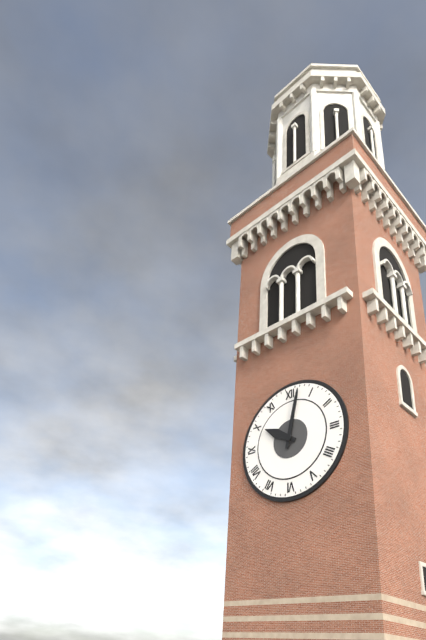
10:02
